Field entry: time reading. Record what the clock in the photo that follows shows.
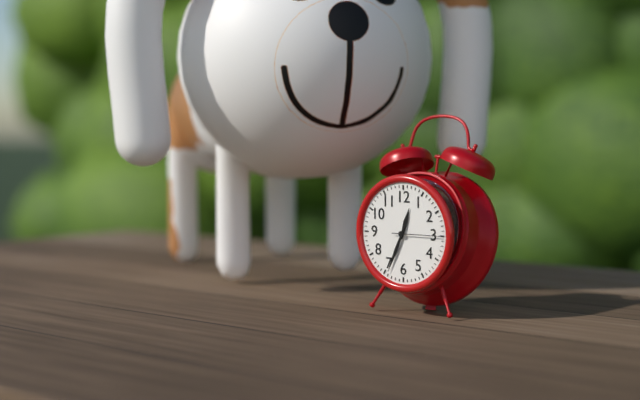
12:34
